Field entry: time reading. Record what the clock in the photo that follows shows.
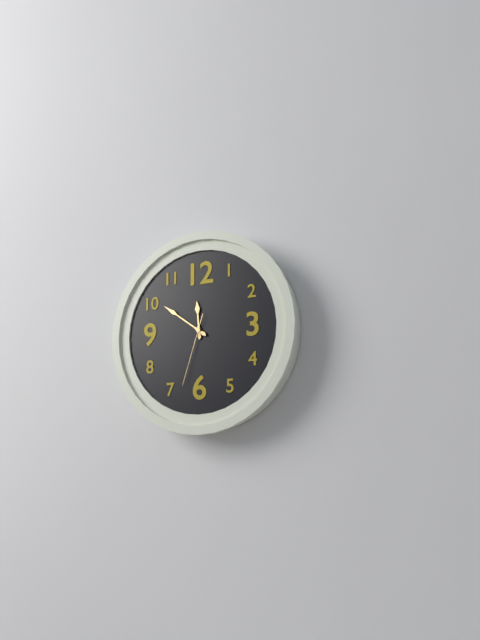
11:51:33
